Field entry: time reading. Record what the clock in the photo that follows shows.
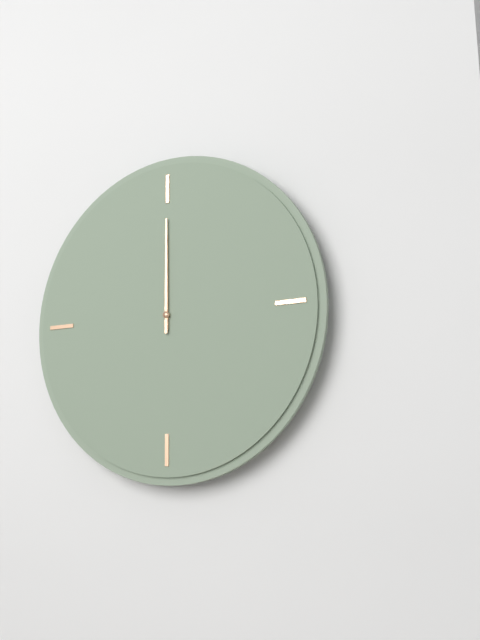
12:00
